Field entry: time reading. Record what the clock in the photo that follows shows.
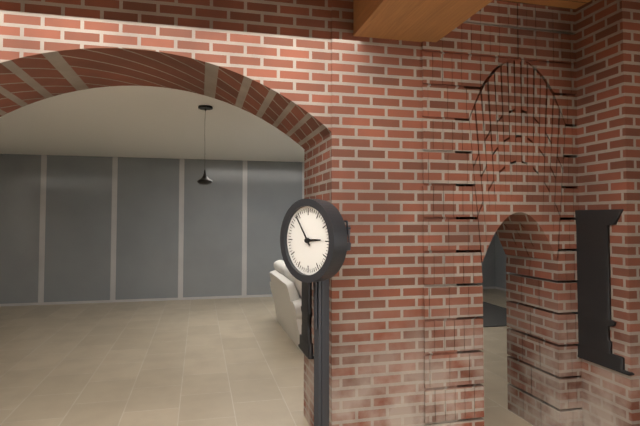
2:54
